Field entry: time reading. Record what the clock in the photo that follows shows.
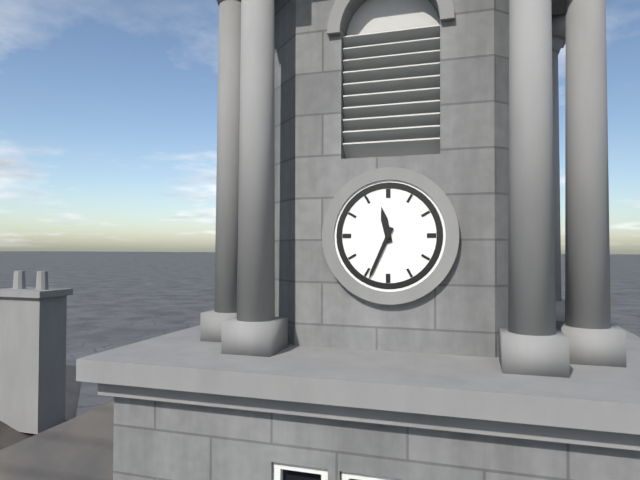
11:34
